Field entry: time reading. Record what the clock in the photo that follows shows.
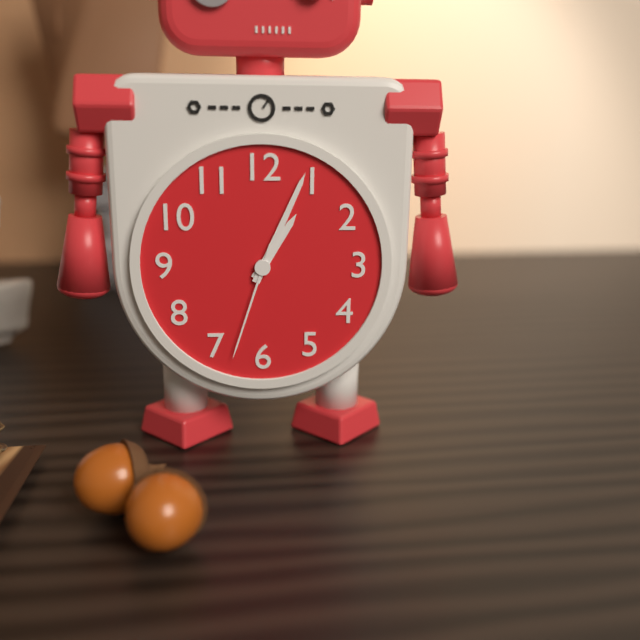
1:04:33
